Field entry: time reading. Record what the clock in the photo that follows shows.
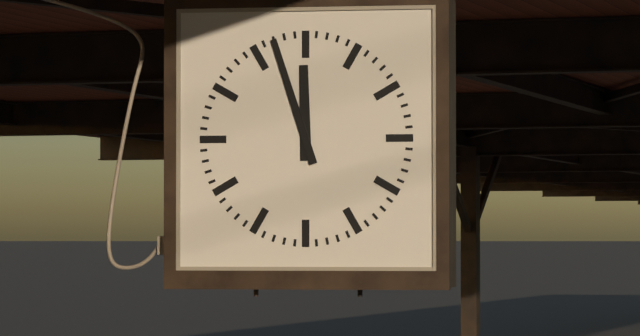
11:57
